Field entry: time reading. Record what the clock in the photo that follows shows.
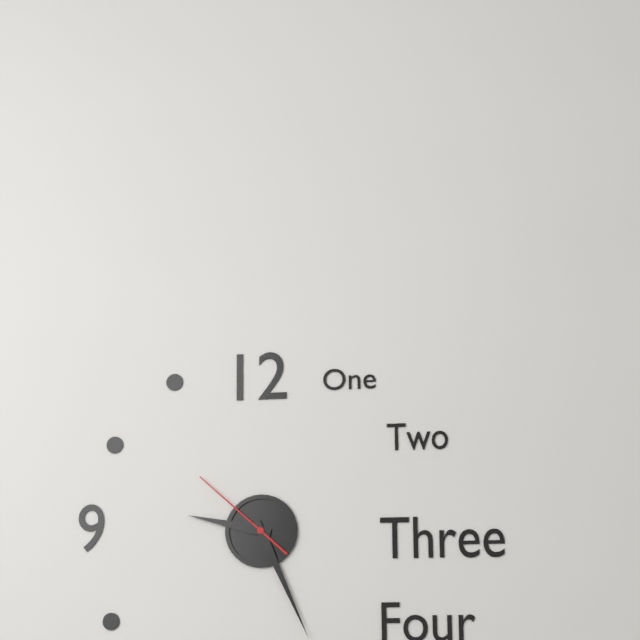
9:26:52
